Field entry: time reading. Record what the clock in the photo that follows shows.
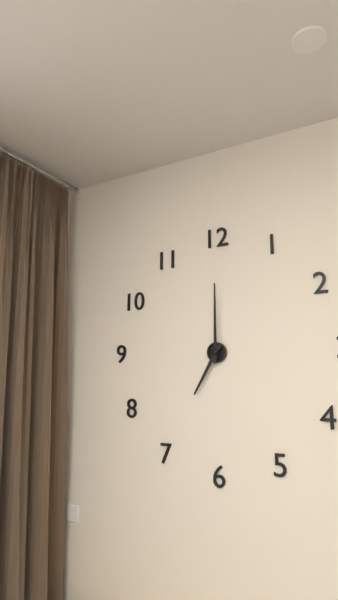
7:00
